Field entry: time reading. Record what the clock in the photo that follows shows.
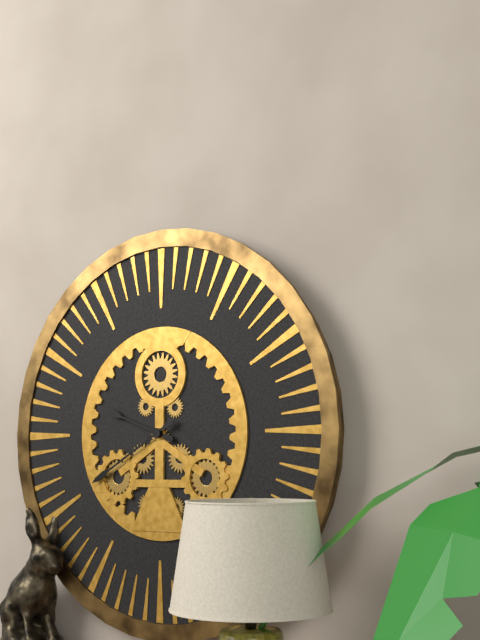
9:40
